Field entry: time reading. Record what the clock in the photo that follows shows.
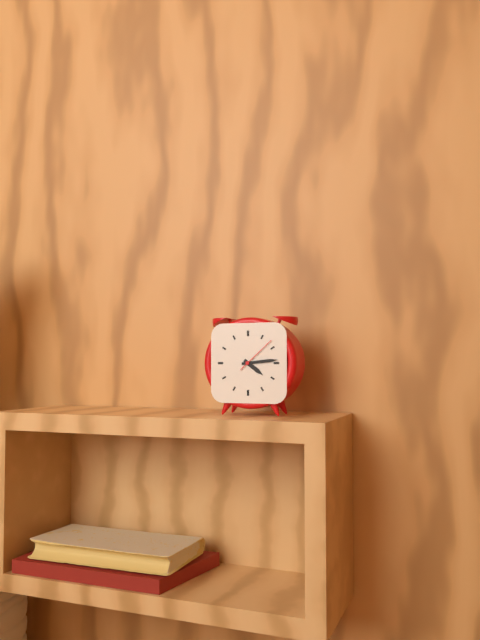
4:14
